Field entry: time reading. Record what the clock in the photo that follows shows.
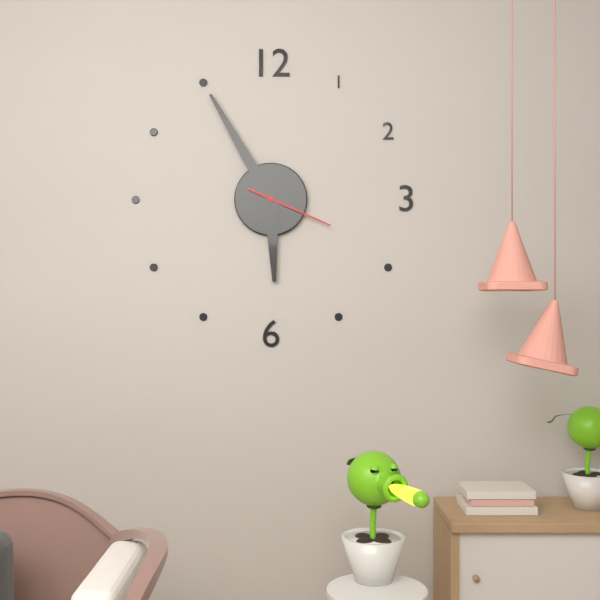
5:55:19
